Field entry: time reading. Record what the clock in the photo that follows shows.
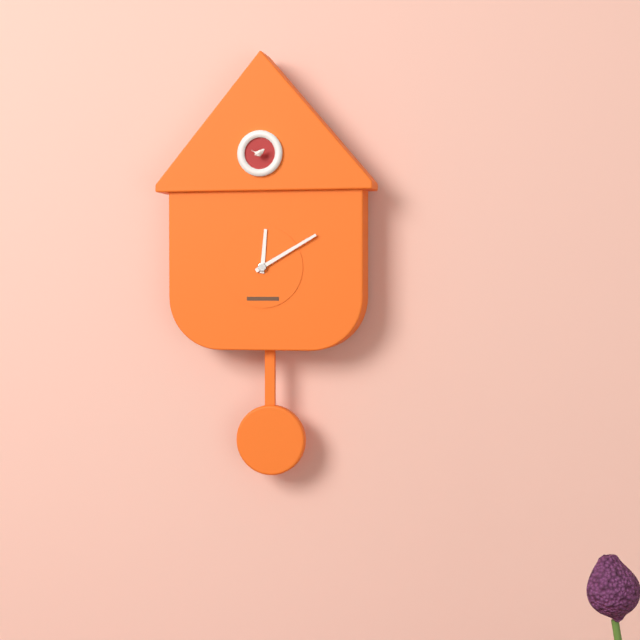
12:10
